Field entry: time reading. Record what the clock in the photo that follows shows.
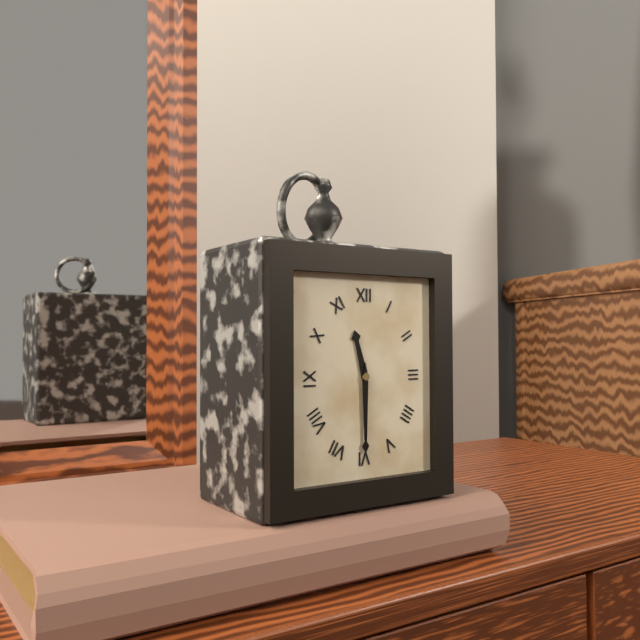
11:30
